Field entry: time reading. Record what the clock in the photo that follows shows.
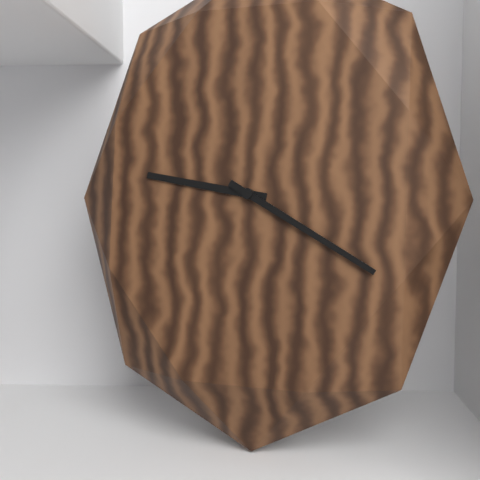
9:20
